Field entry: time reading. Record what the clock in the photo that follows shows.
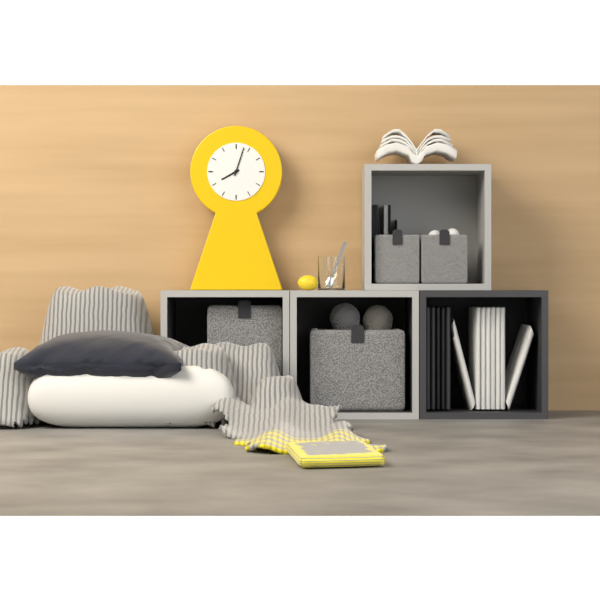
8:03
